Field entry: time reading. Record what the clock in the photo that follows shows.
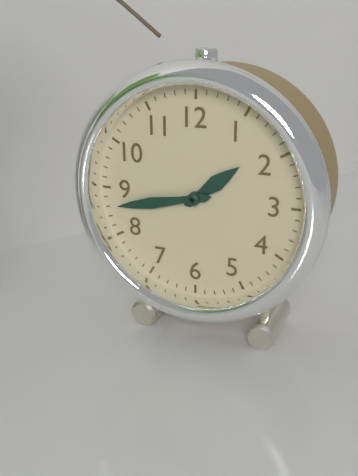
1:43
